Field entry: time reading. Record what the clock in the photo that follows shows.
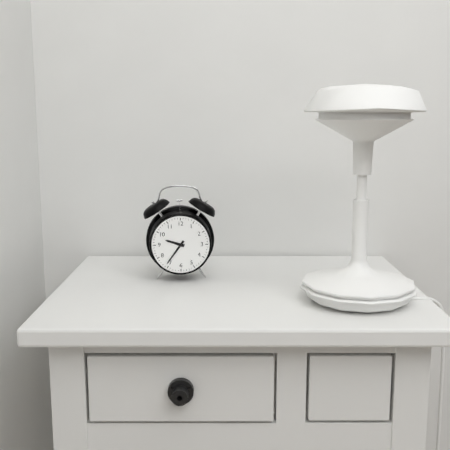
9:36
